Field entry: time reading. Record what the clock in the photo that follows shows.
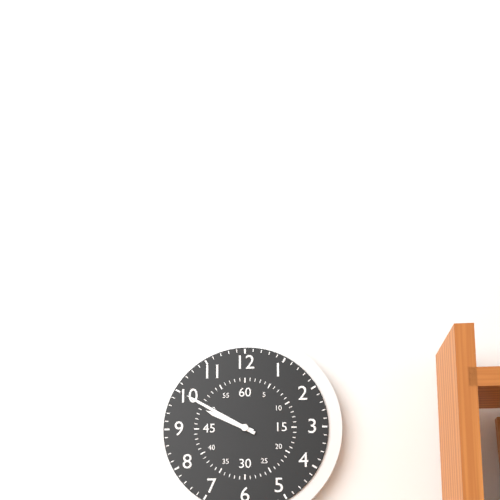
9:50
